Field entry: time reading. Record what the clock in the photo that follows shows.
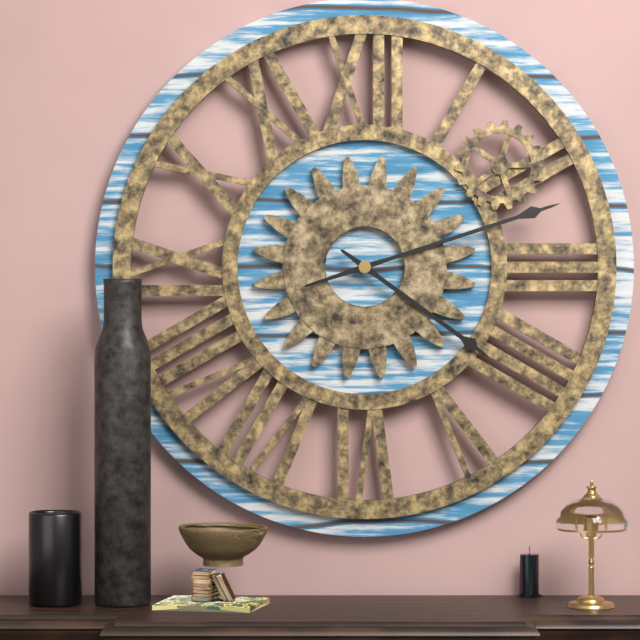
4:12
